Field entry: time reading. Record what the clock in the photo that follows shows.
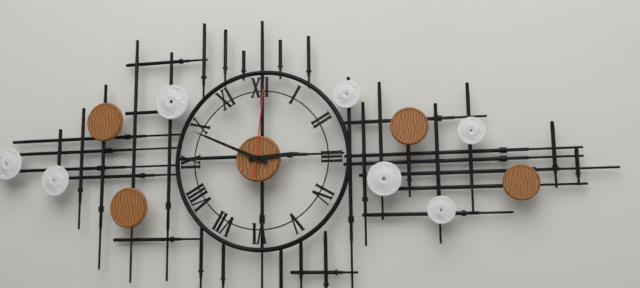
2:49:01
